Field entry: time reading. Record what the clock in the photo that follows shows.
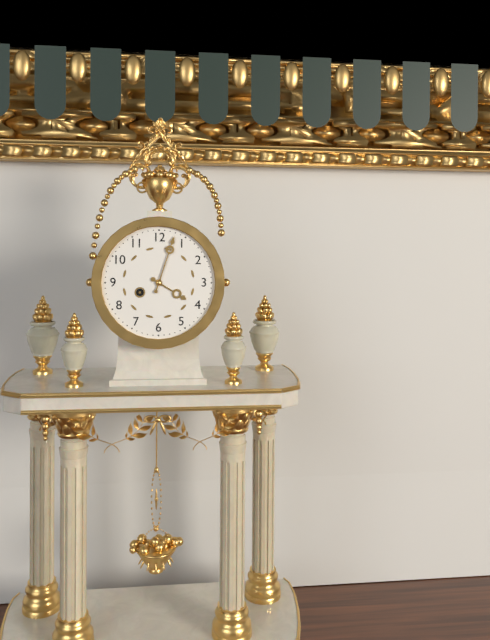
4:03
